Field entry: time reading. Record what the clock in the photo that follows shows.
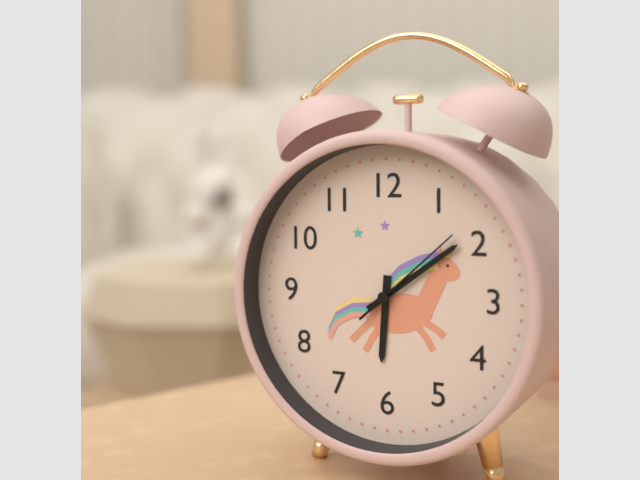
6:09:08
